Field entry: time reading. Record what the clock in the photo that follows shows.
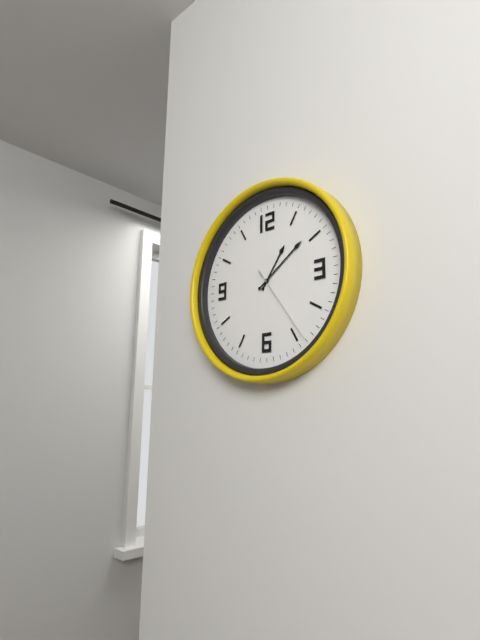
1:09:24
